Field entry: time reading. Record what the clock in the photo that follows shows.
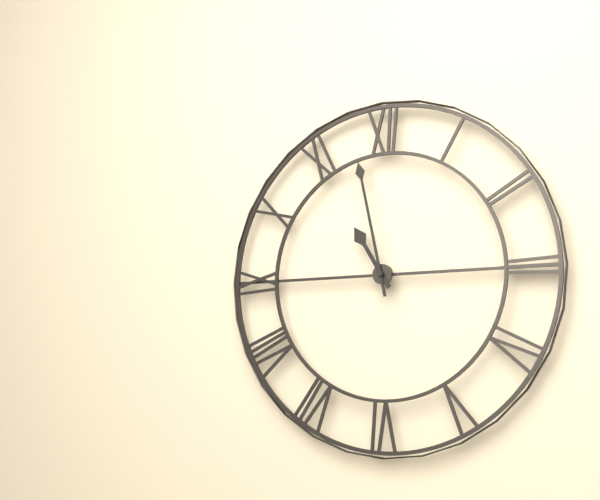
10:58
